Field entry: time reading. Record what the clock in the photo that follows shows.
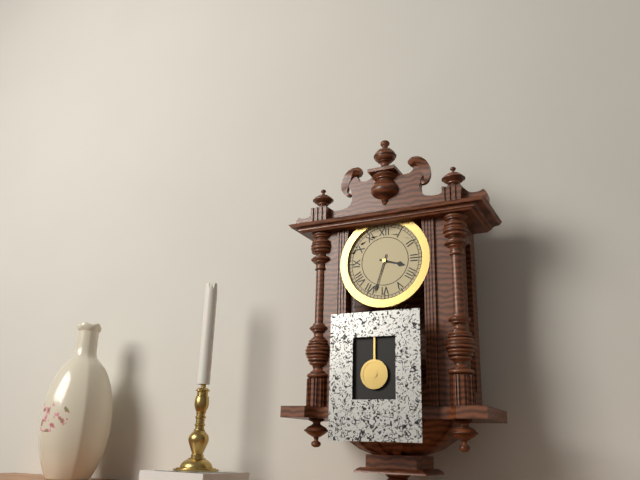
3:33
